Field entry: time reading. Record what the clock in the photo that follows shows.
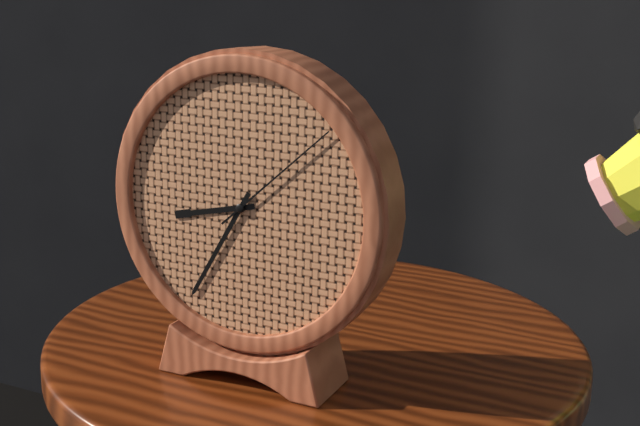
8:35:08
